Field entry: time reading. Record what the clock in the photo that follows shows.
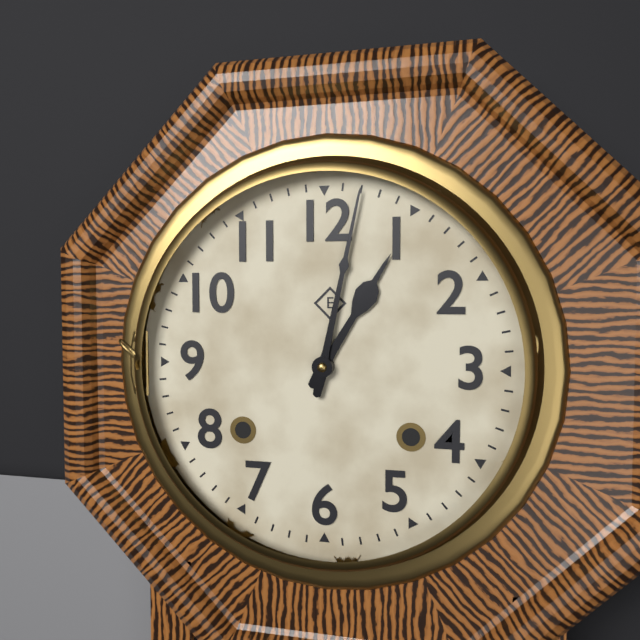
1:02
